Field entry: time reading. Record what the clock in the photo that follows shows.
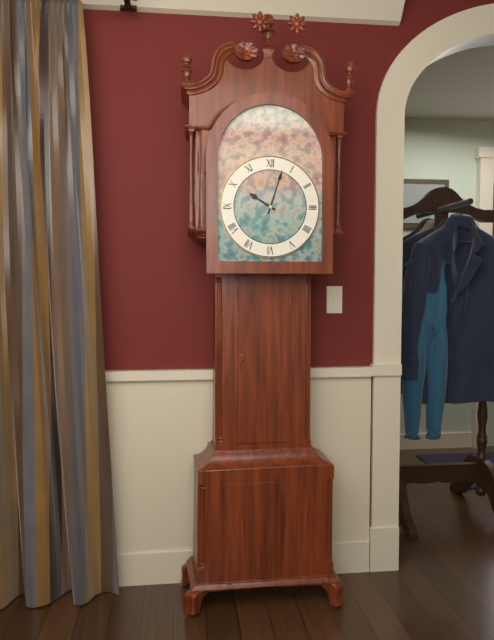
10:03
